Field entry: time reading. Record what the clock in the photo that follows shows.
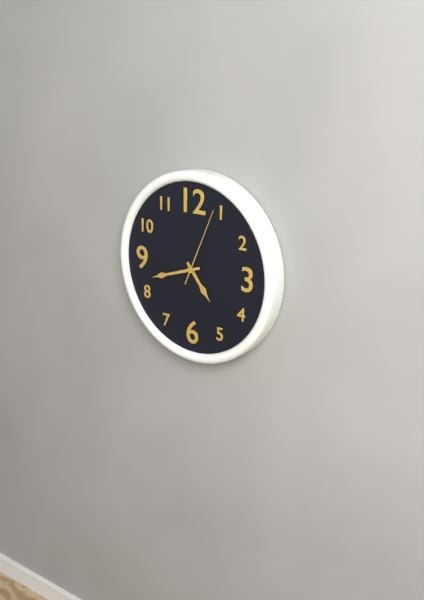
4:42:04
